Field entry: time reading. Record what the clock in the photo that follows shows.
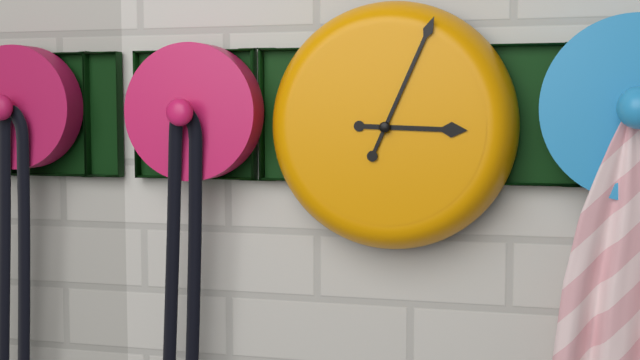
3:04
